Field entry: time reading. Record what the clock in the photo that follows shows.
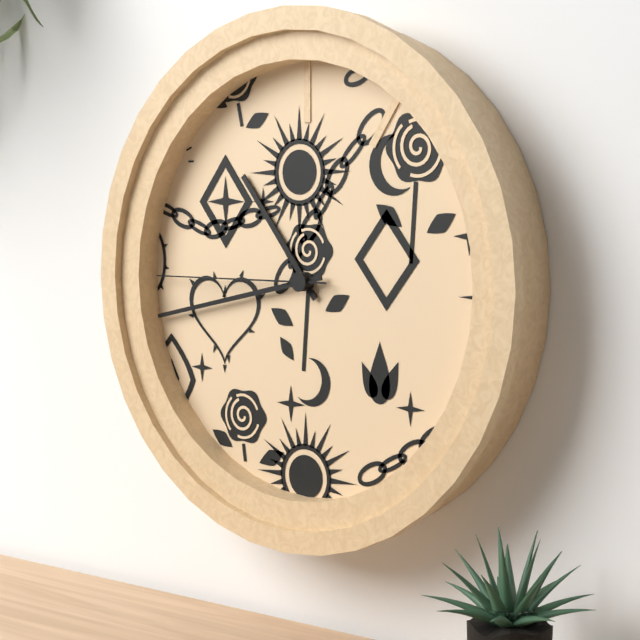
10:43:45
